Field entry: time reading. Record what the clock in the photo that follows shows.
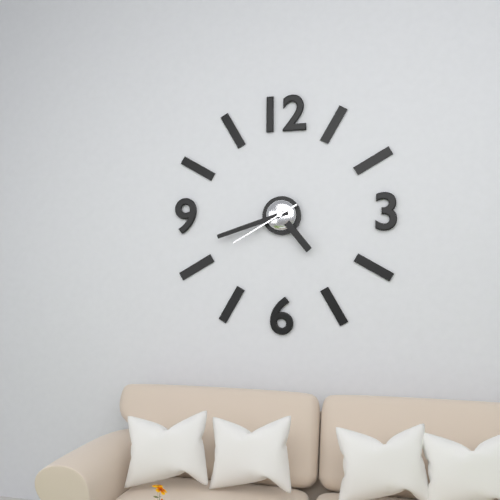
4:42:40
